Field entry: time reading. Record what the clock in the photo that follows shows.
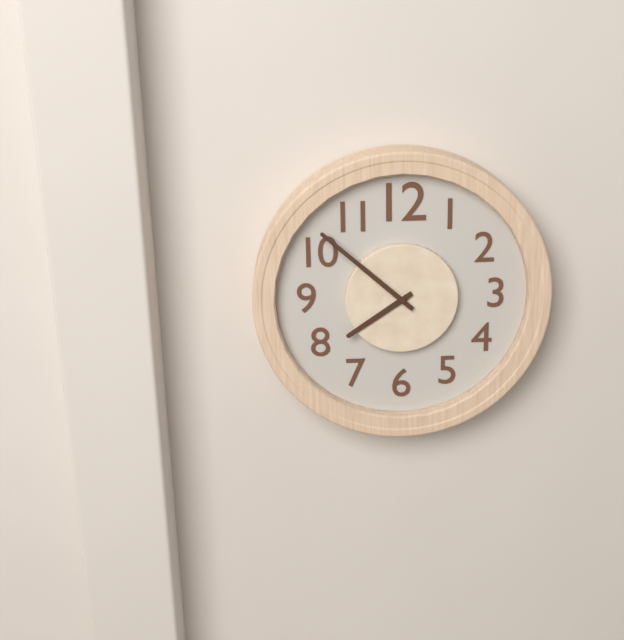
7:52
